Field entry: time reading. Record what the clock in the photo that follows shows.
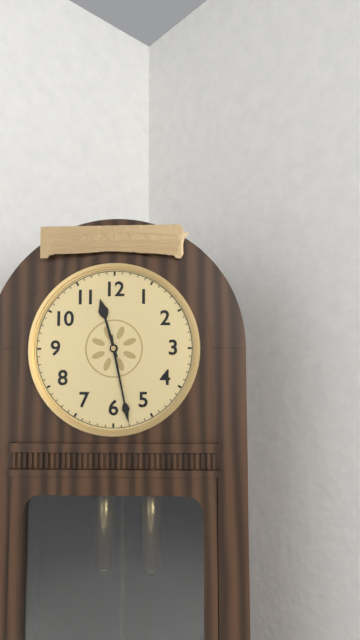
11:28
